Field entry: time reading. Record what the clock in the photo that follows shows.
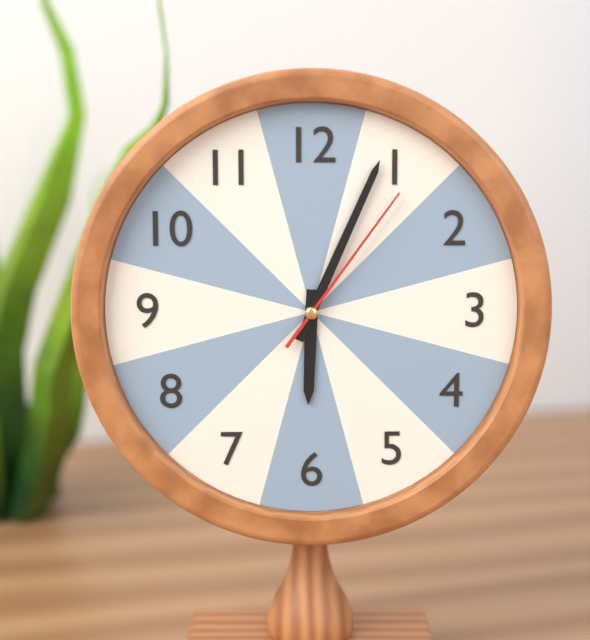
6:04:06
